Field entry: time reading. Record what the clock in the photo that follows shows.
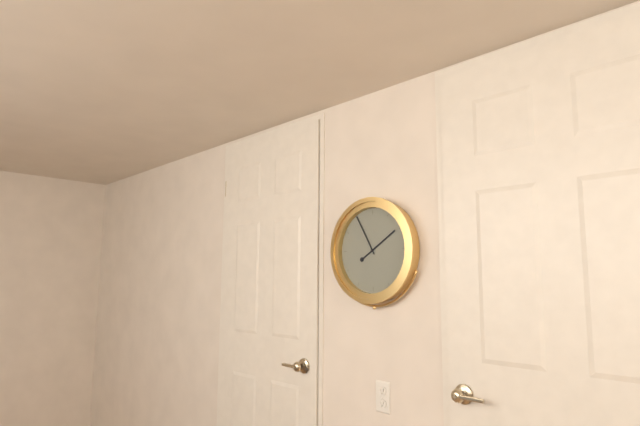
1:55
